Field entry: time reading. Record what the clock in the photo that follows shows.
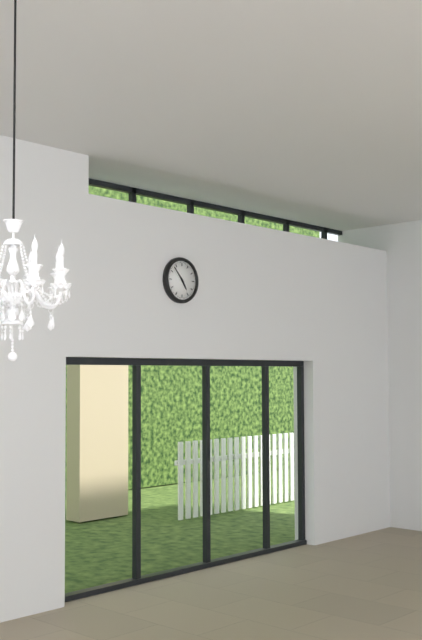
4:53
